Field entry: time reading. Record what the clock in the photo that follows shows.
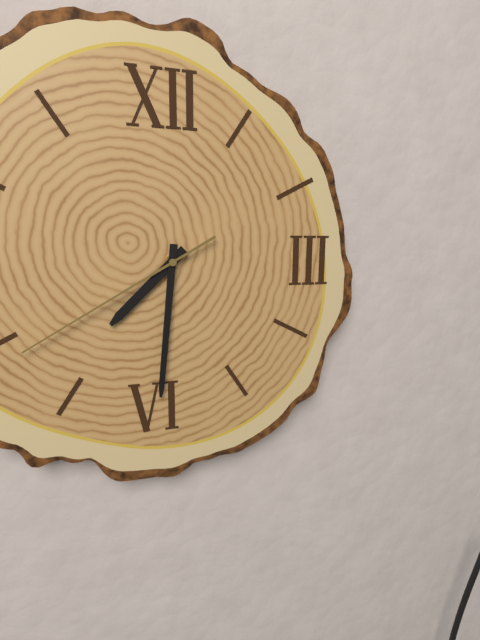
7:31:40
